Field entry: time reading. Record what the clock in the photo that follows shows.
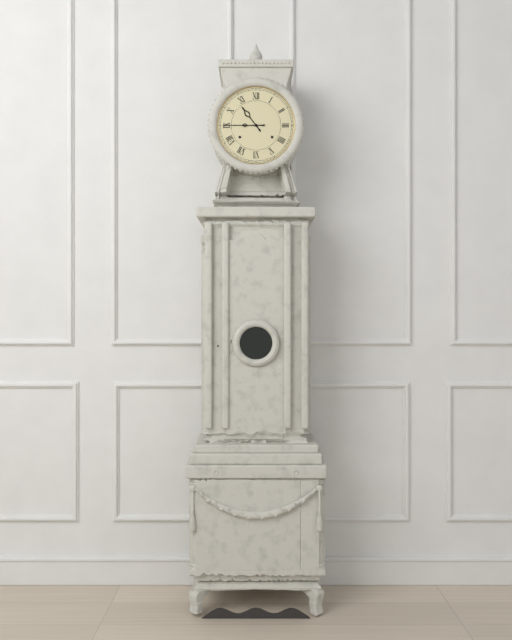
10:45
